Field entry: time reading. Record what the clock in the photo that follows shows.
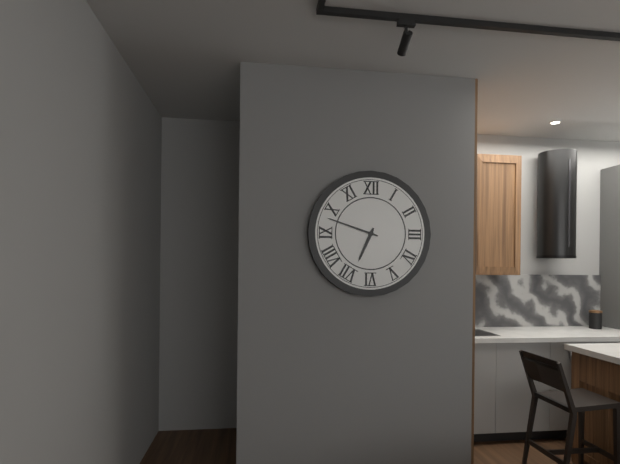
6:48
